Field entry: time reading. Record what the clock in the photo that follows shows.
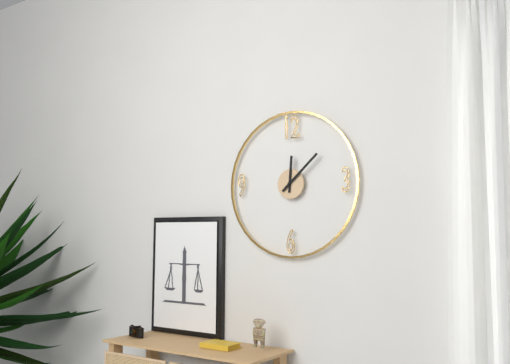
12:08
